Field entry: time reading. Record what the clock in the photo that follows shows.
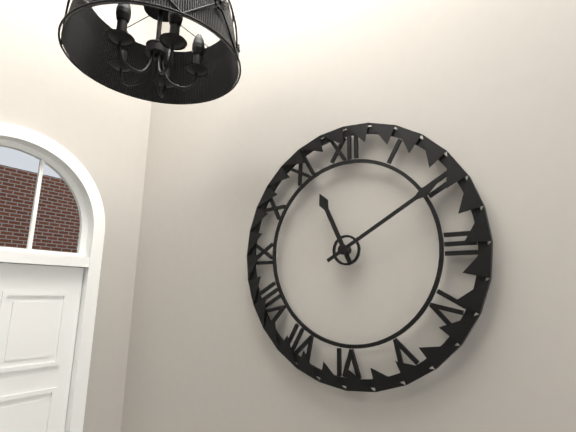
11:10
